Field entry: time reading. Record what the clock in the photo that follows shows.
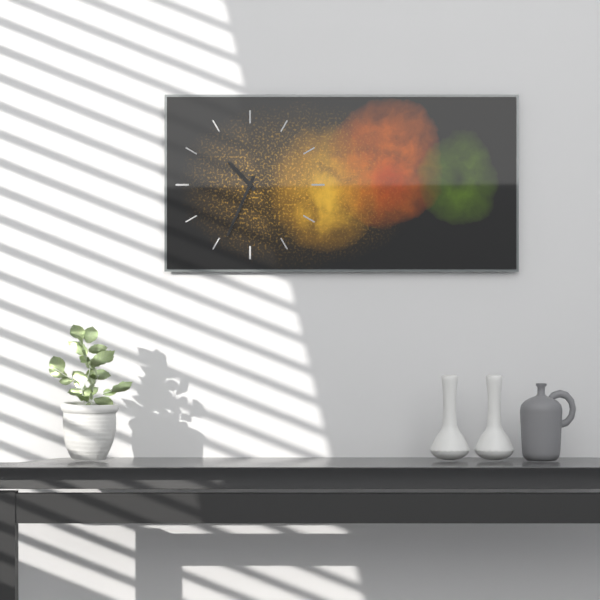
10:34
